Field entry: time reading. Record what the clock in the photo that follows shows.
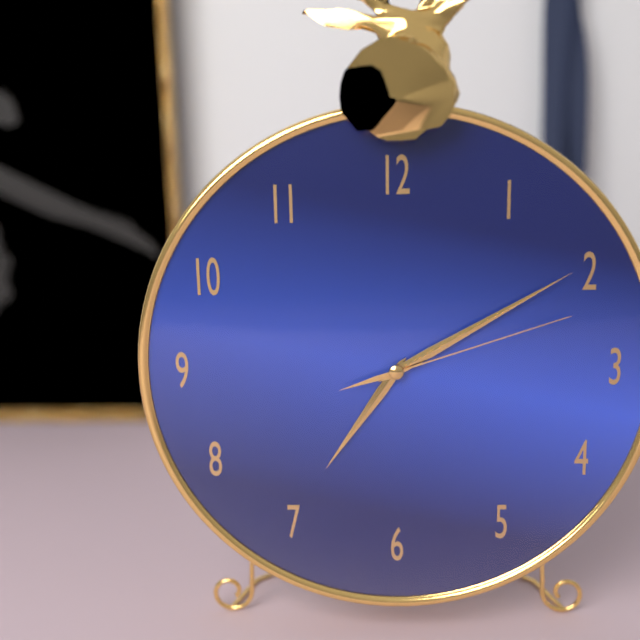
7:10:12
